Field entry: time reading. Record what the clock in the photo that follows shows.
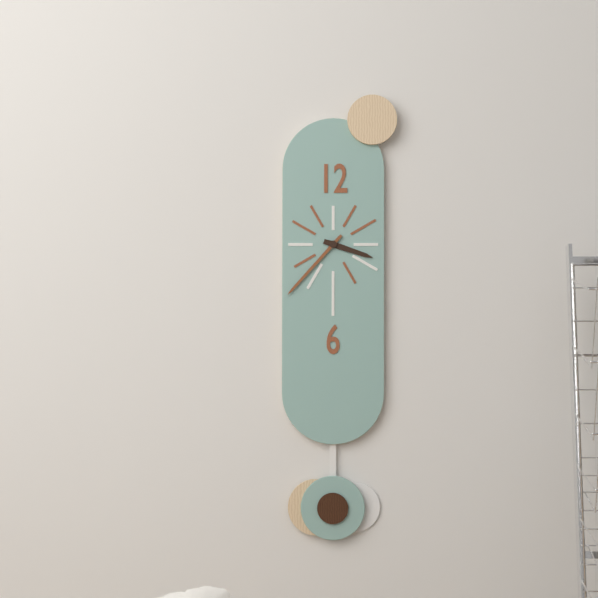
3:37
